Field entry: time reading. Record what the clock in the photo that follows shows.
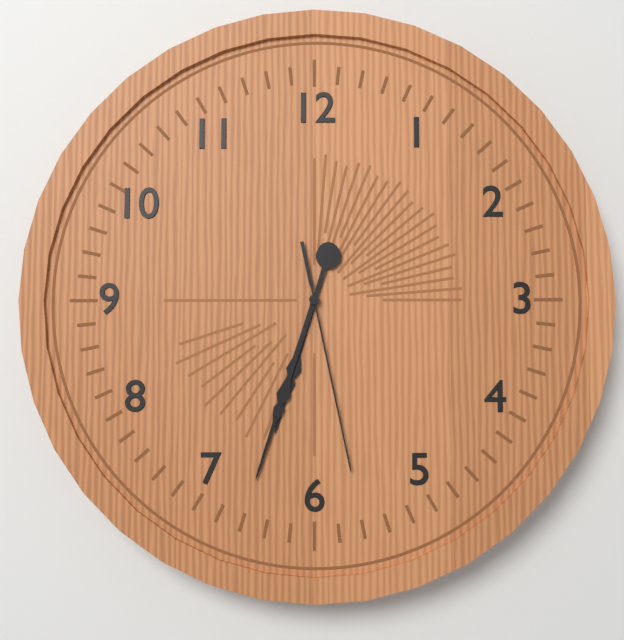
6:33:28
